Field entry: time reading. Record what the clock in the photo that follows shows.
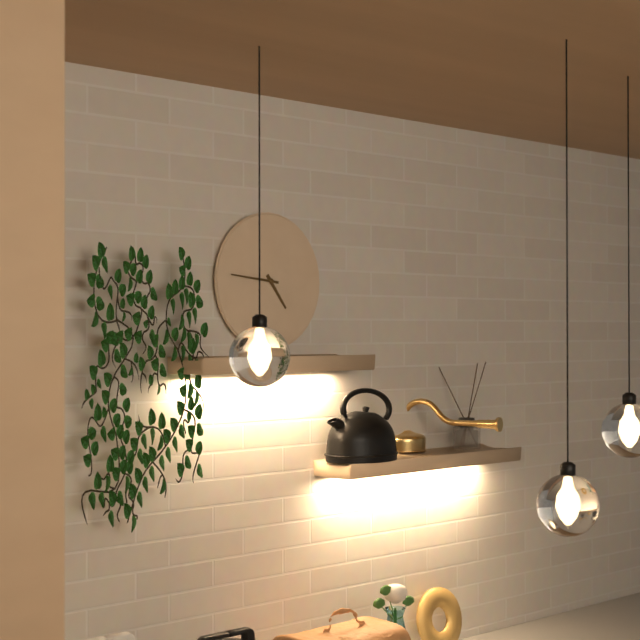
4:46
